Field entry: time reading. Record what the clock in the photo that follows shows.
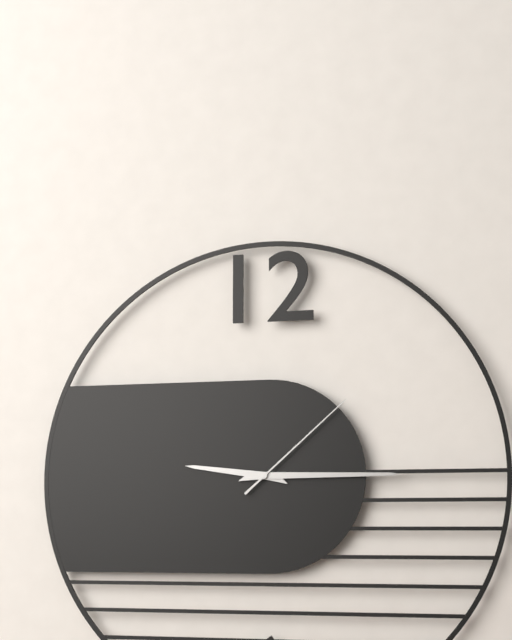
9:15:08
